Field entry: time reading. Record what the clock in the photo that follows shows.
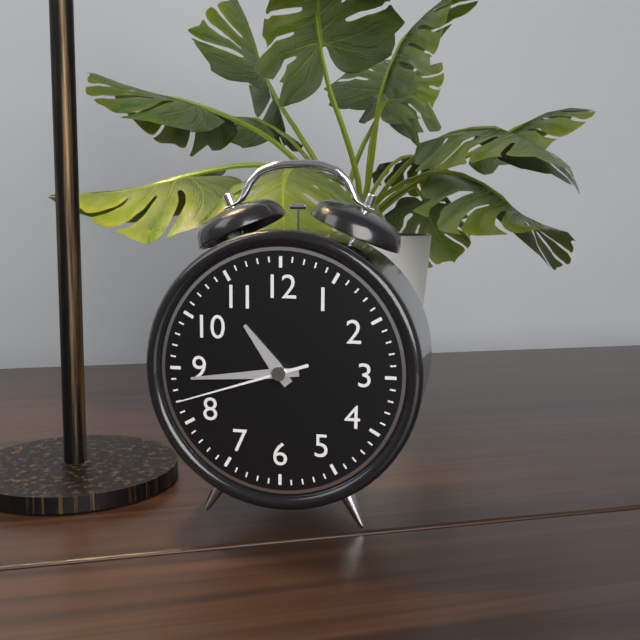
10:44:42
